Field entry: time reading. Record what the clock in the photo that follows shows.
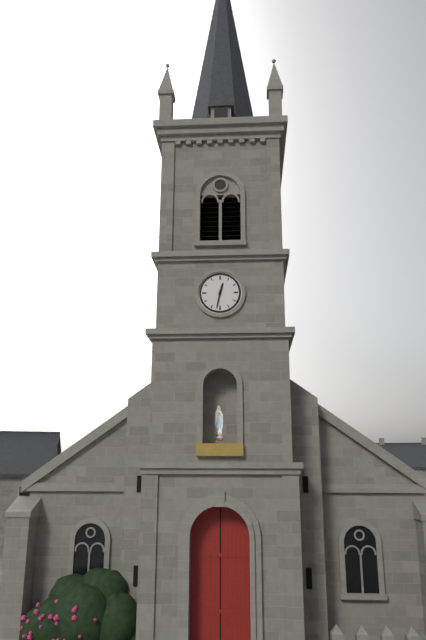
12:32
